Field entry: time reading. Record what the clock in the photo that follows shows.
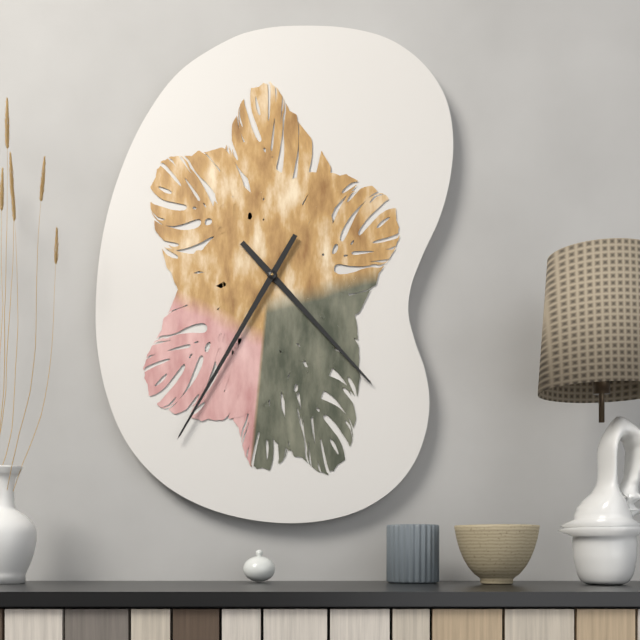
4:35
